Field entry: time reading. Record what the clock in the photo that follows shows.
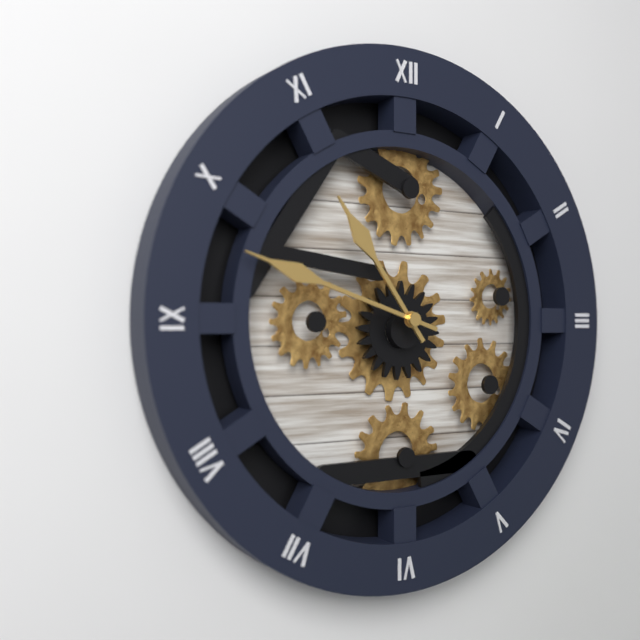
10:48
